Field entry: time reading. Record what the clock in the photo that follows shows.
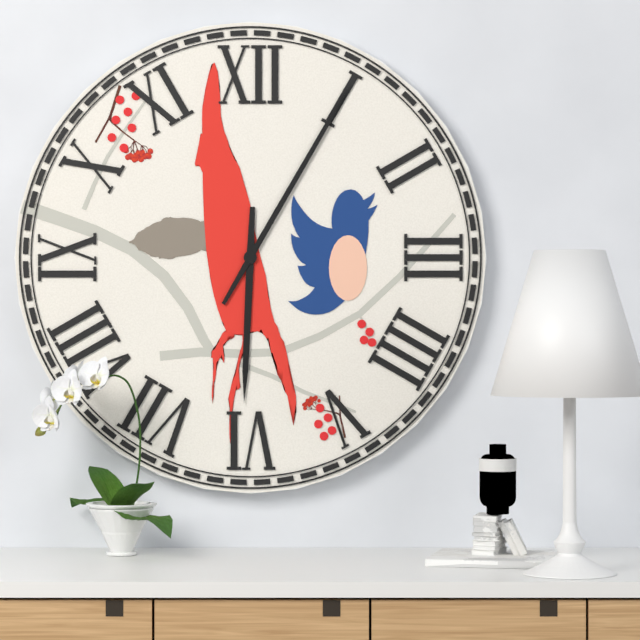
6:05
